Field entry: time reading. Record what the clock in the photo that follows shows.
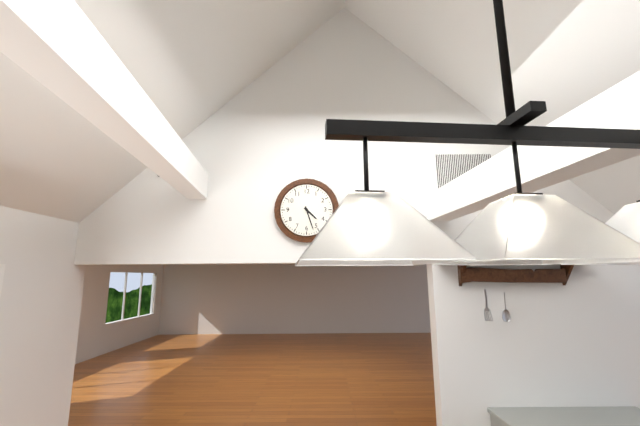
4:27
